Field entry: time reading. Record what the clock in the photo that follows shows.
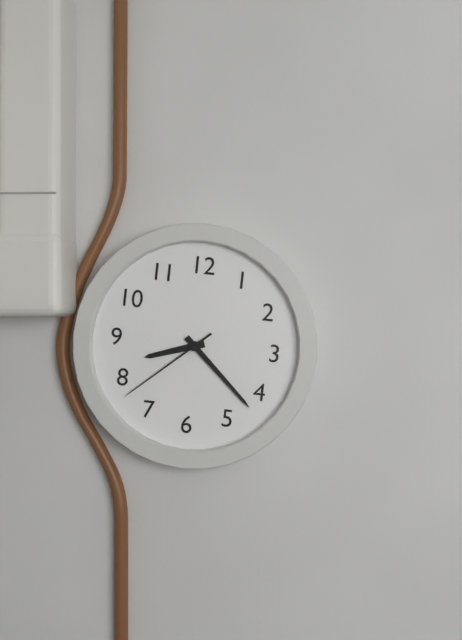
8:22:38
